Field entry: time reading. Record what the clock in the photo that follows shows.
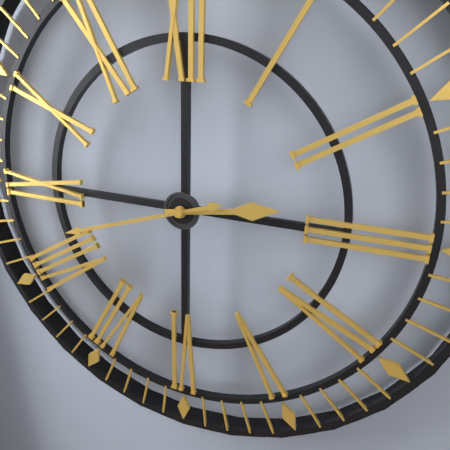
2:42
